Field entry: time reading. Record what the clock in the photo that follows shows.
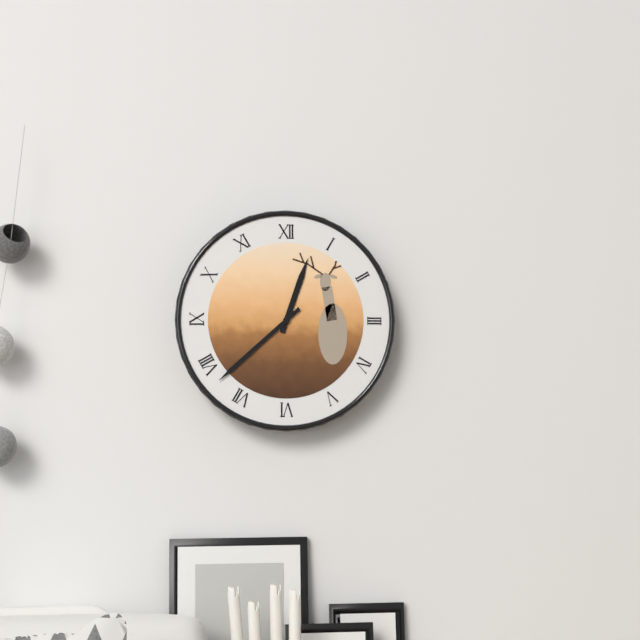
12:38
